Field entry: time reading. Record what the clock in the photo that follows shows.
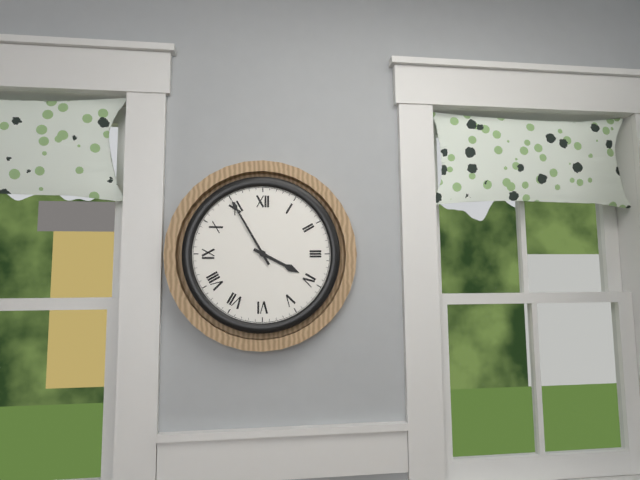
3:55
